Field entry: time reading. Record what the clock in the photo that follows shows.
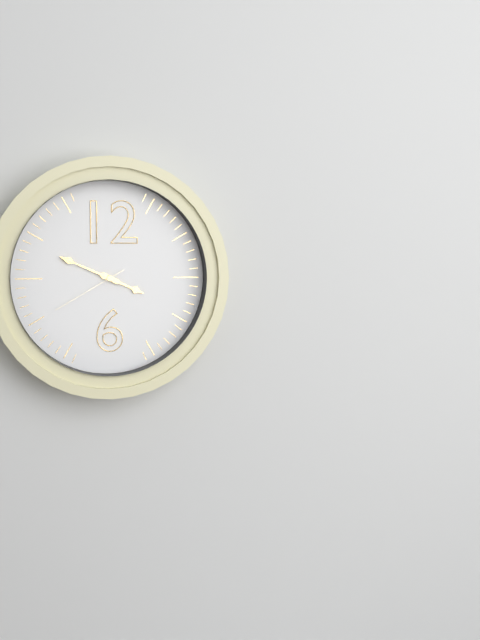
3:49:40
